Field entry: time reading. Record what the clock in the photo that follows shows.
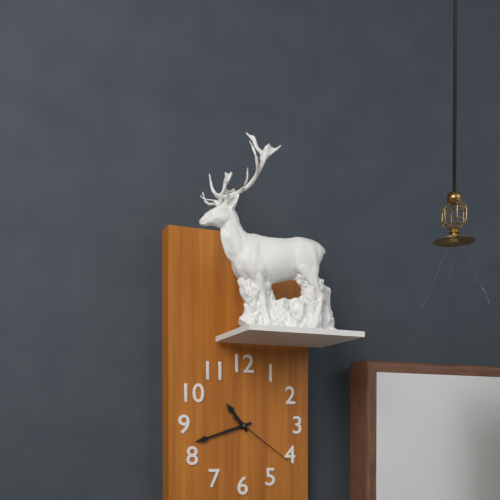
10:42:21
